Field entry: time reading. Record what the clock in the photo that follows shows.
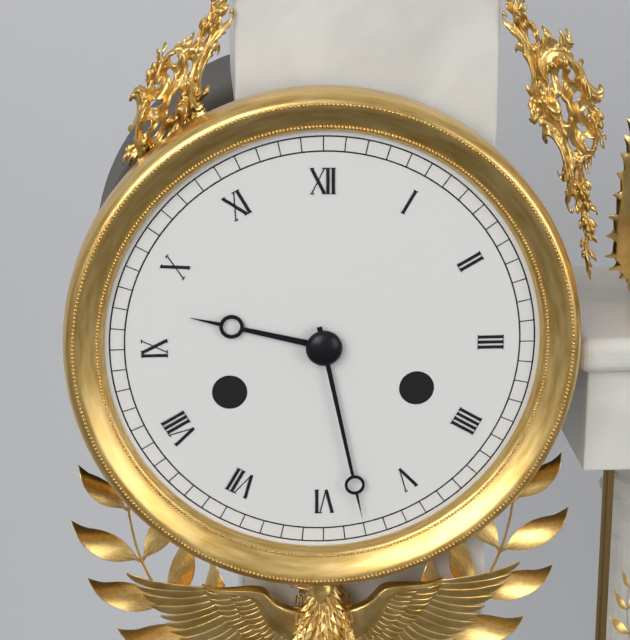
9:28
